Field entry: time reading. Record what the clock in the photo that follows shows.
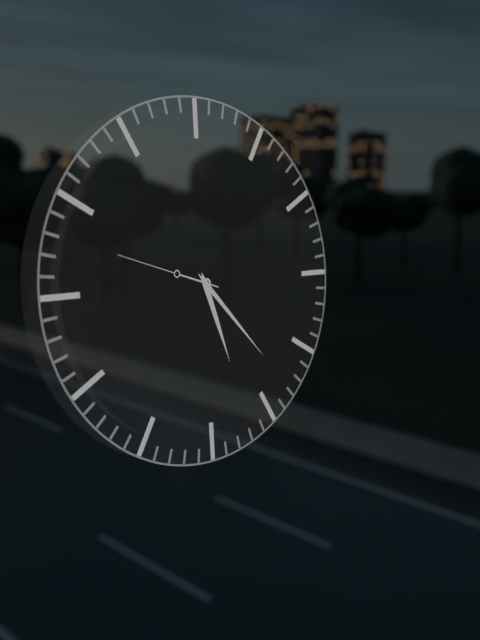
5:23:48
